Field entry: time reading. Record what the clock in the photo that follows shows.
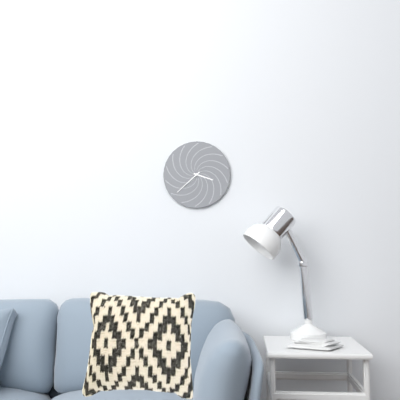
3:38
